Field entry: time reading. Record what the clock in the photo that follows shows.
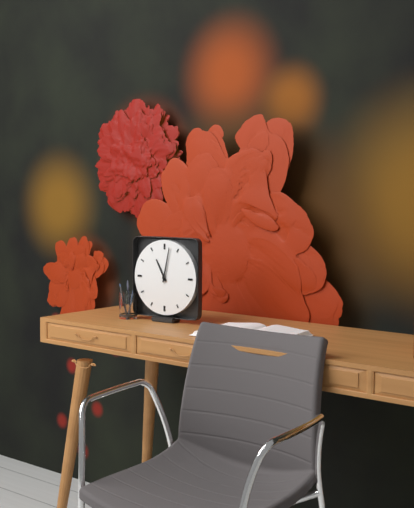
11:02
